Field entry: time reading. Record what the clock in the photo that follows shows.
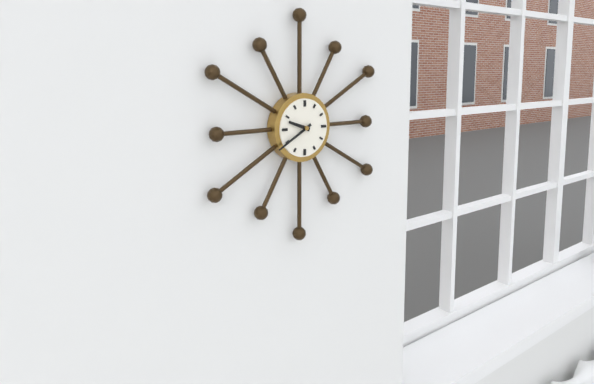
9:40
